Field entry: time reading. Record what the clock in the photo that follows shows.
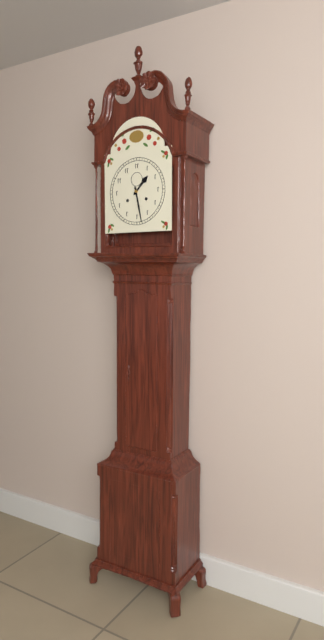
1:28
